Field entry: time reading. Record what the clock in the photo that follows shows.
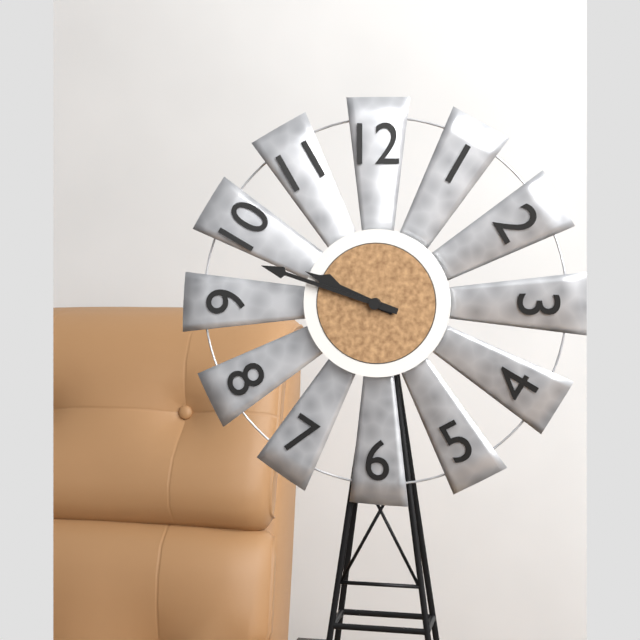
9:48
